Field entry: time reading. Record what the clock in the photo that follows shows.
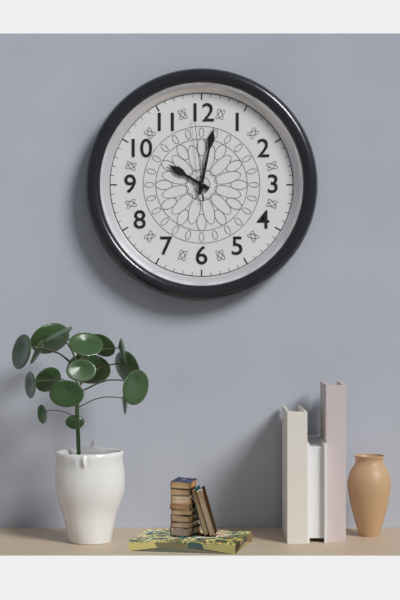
10:02:59
